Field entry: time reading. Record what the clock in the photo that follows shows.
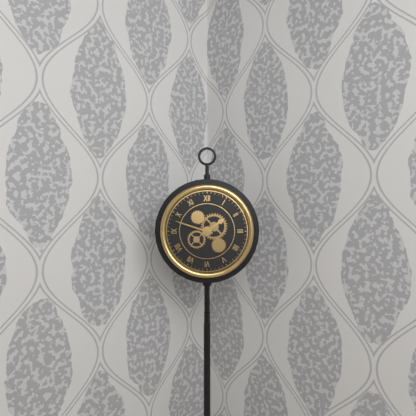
1:48
